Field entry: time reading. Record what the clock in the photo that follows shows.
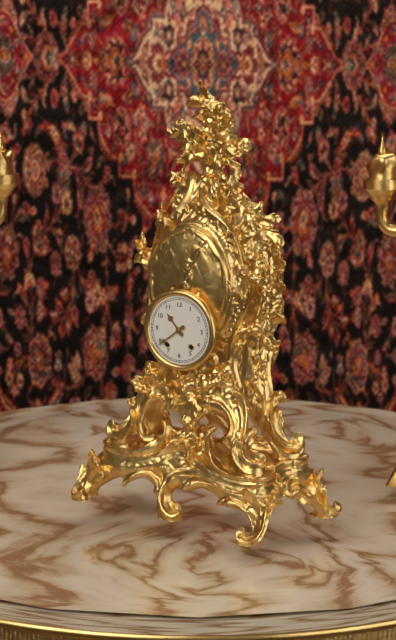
10:39
